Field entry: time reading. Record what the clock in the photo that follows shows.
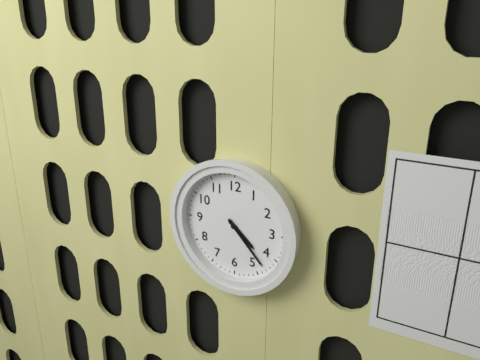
4:23
